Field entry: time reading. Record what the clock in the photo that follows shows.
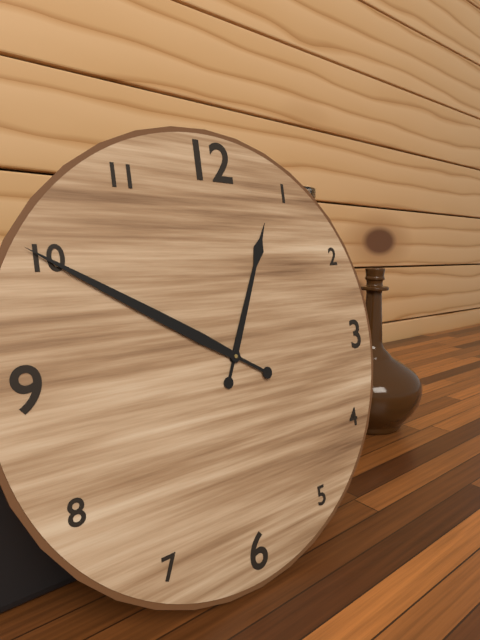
12:50
